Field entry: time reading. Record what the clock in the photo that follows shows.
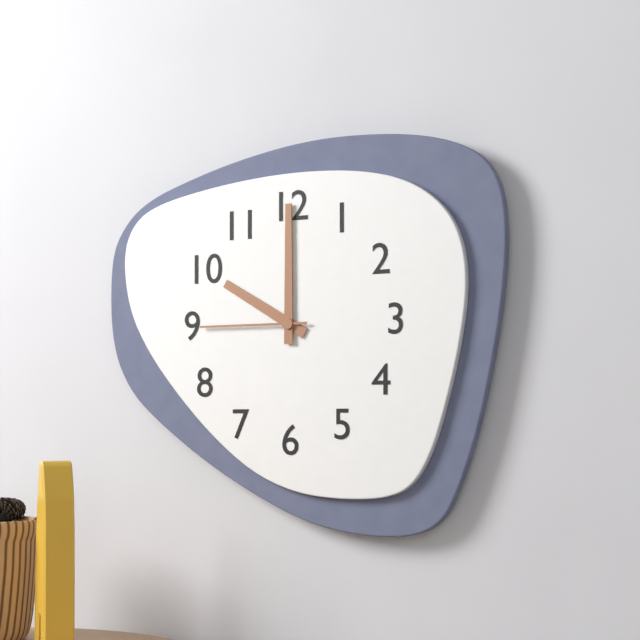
10:00:45
